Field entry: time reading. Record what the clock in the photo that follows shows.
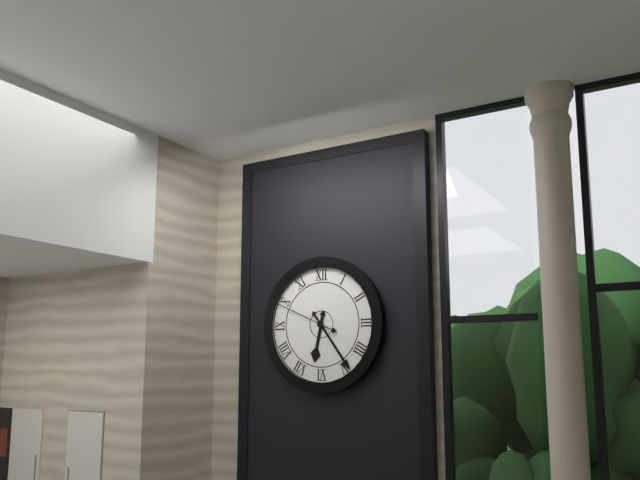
6:24:49
